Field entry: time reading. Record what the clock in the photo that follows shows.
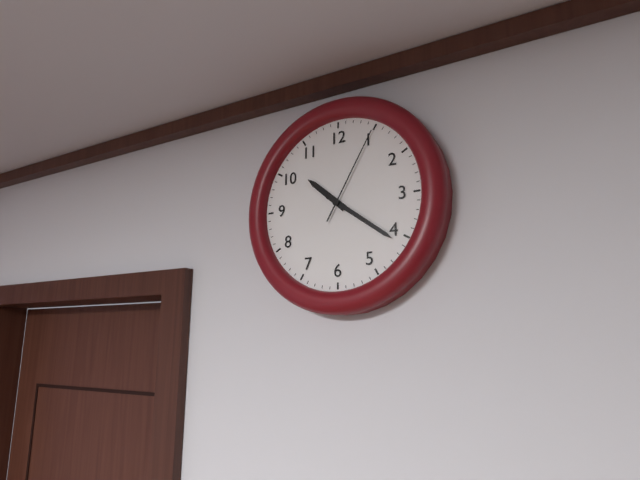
10:21:05
